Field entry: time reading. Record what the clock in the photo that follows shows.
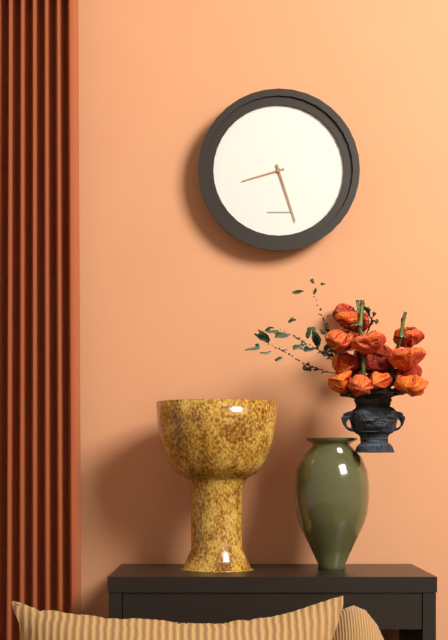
8:27
